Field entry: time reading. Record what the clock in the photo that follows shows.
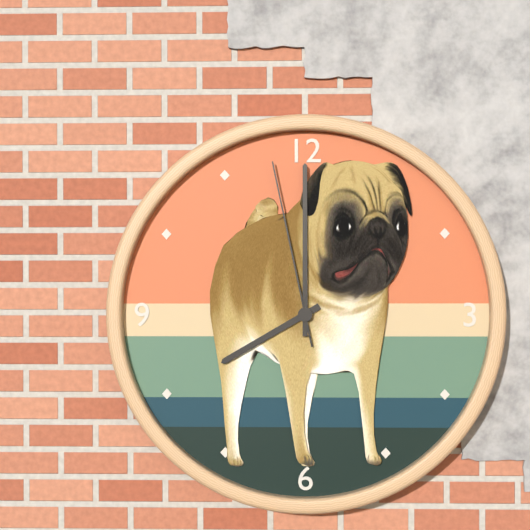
8:00:58
